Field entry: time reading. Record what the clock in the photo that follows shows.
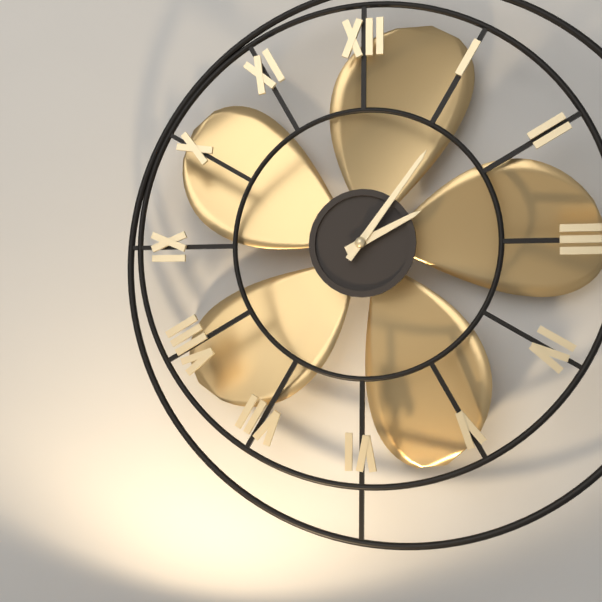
2:06
